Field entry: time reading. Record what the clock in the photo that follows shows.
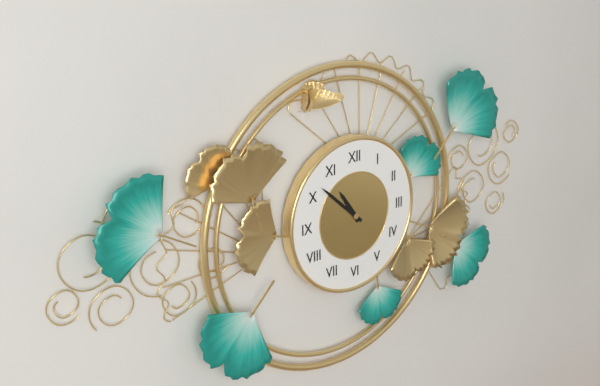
10:52
